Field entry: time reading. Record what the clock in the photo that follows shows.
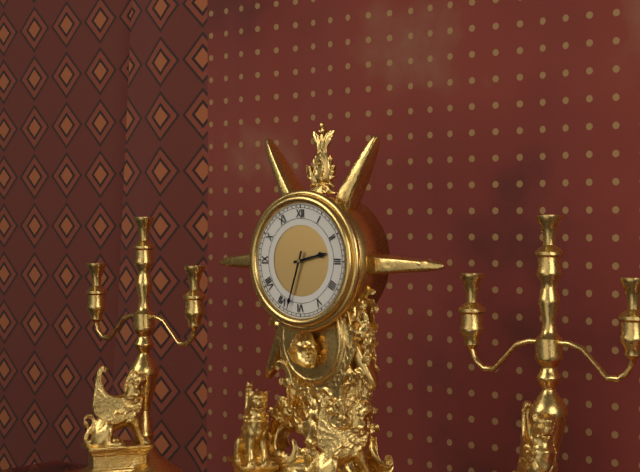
2:33
